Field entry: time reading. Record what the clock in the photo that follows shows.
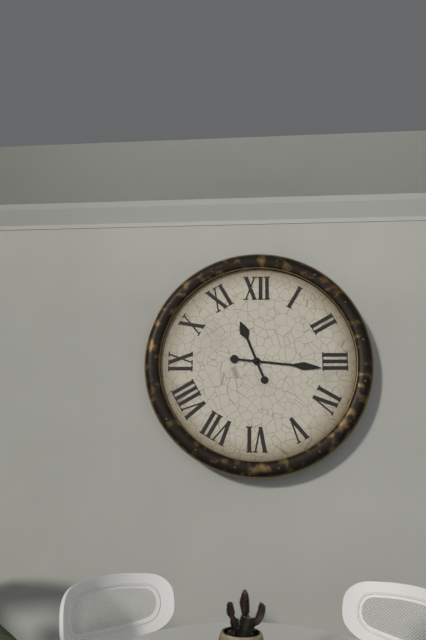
11:16
